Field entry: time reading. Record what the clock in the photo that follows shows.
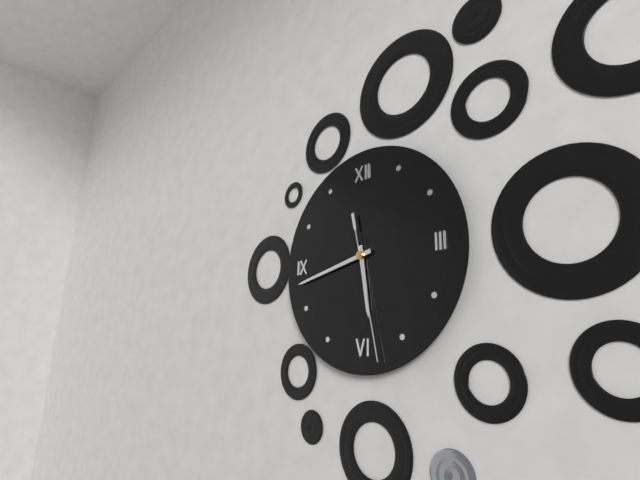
5:43:28
